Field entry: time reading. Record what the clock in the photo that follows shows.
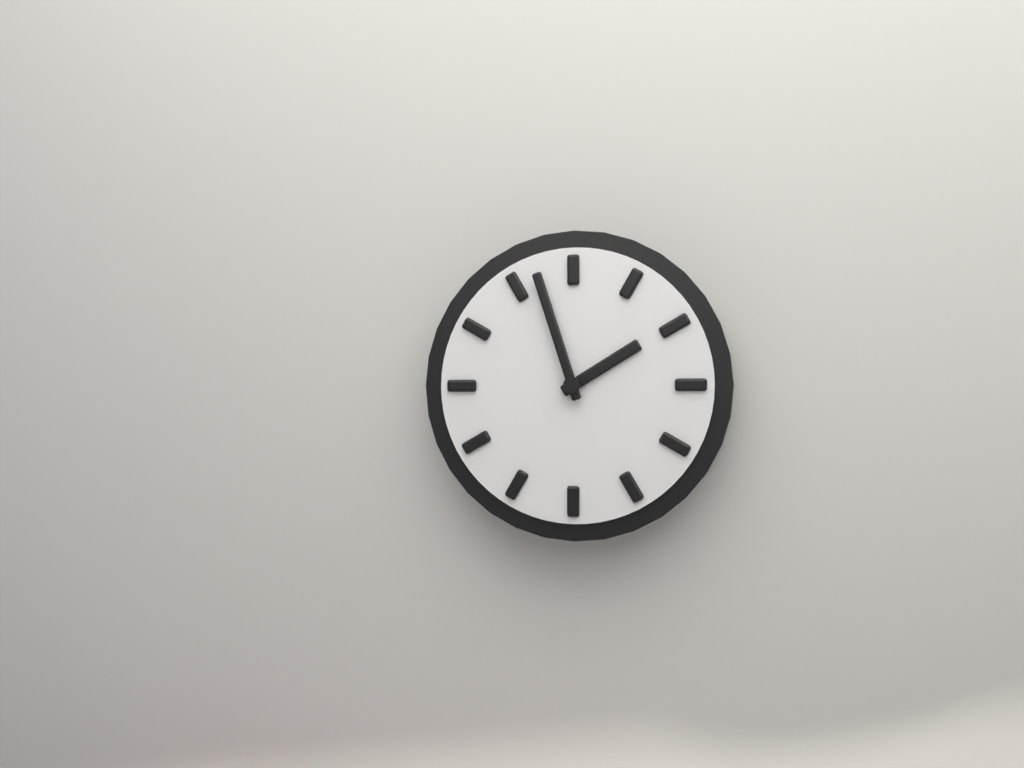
1:57
